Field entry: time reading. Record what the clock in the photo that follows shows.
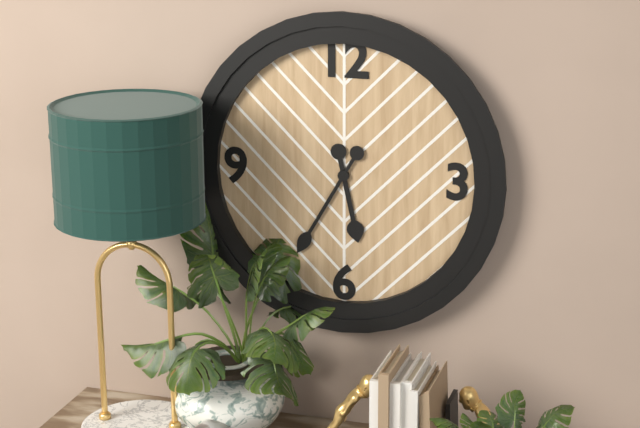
5:35
